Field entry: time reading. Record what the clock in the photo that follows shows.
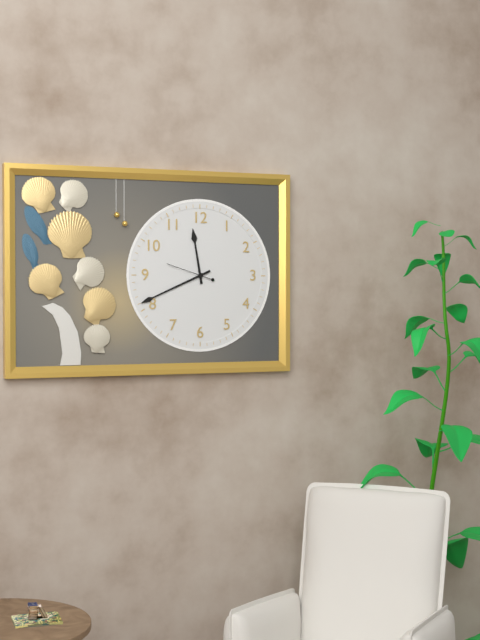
11:41
